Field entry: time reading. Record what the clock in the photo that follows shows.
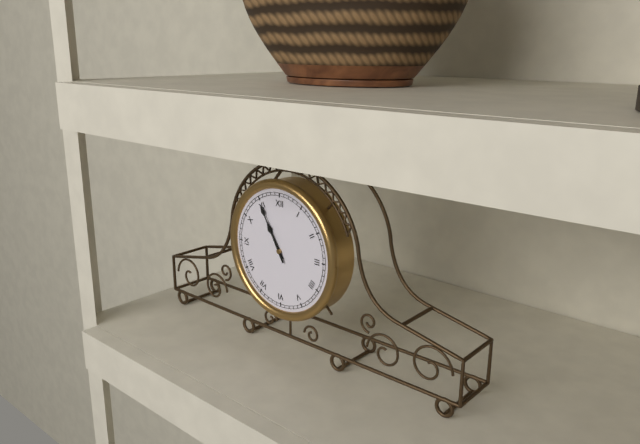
10:55
